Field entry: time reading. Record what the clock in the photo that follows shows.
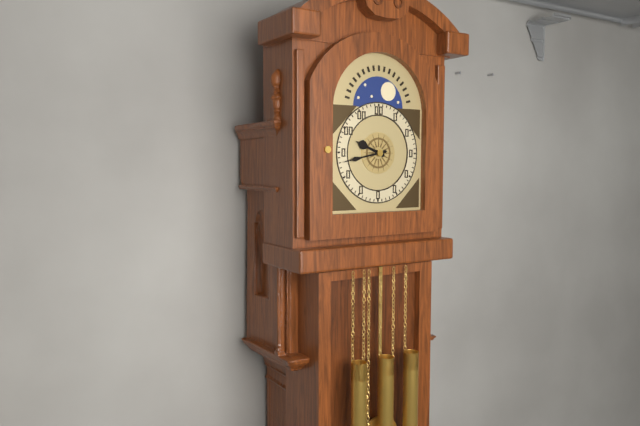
9:43
